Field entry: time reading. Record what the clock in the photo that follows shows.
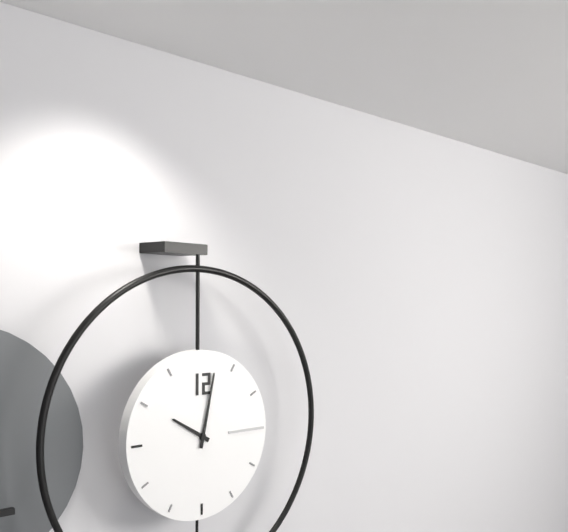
10:02
